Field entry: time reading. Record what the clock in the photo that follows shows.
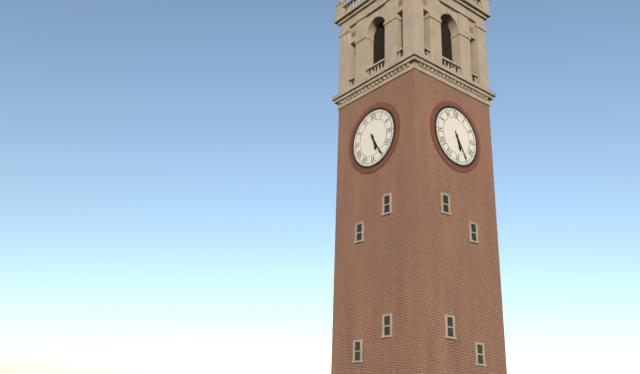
5:25
